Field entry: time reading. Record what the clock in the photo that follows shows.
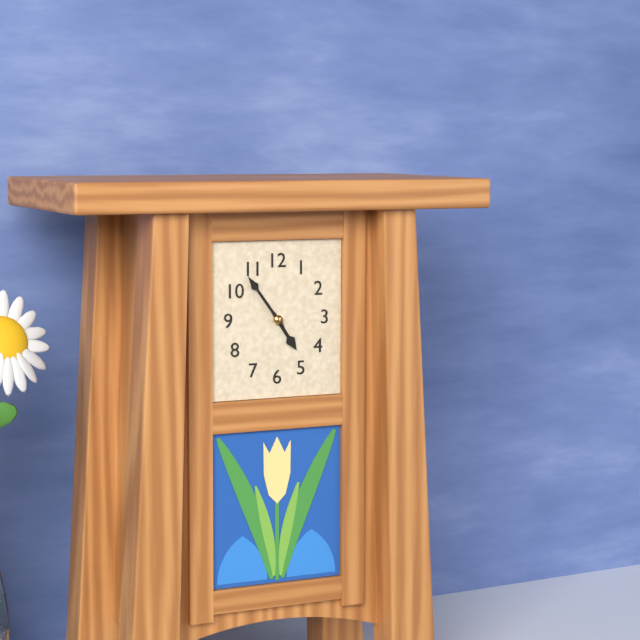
4:54
